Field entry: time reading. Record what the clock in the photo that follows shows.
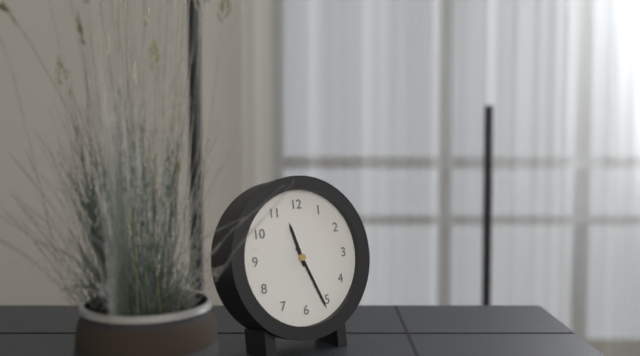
11:26
